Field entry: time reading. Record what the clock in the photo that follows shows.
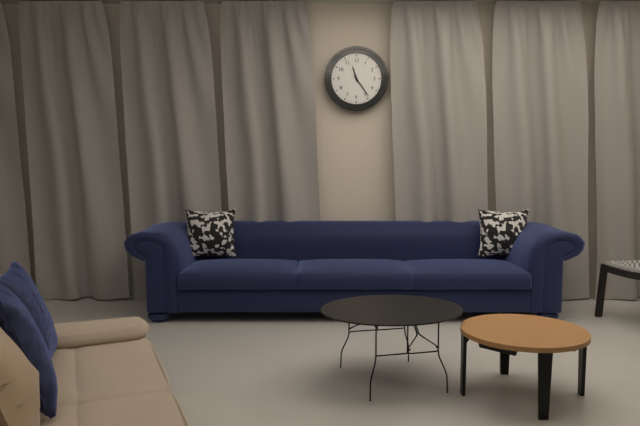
11:24
